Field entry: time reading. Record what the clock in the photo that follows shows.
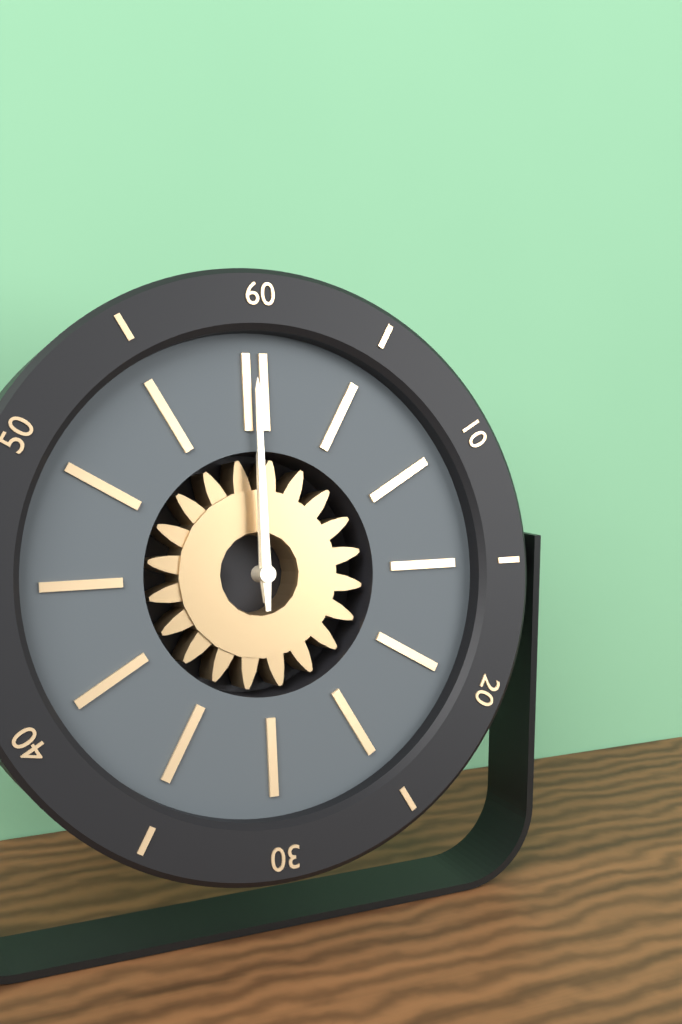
12:00
